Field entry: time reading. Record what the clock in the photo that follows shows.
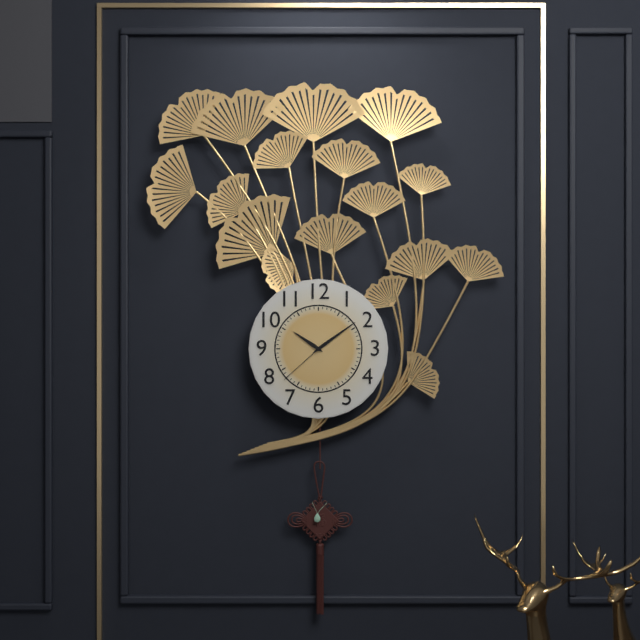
10:09:38
